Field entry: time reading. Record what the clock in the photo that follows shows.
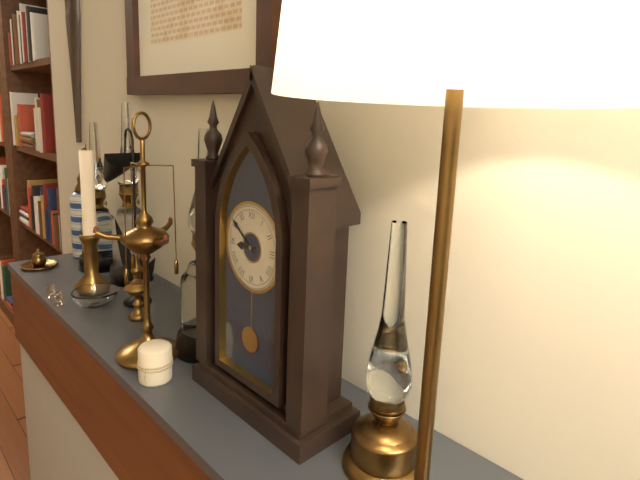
8:51
